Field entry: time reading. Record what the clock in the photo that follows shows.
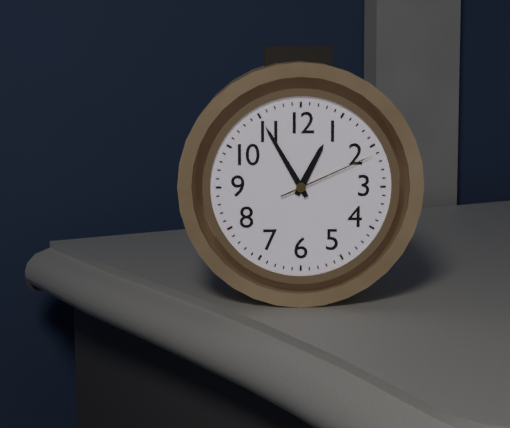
12:55:11
